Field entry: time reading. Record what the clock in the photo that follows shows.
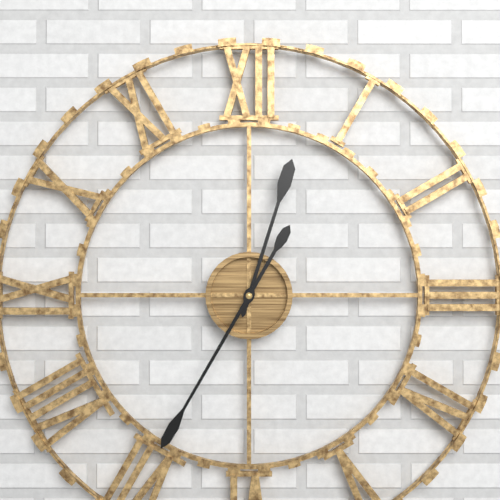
12:35
